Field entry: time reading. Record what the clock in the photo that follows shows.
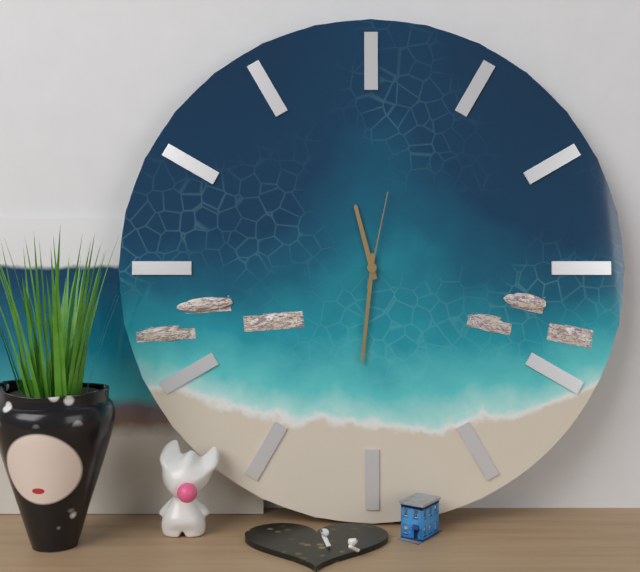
11:31:02
